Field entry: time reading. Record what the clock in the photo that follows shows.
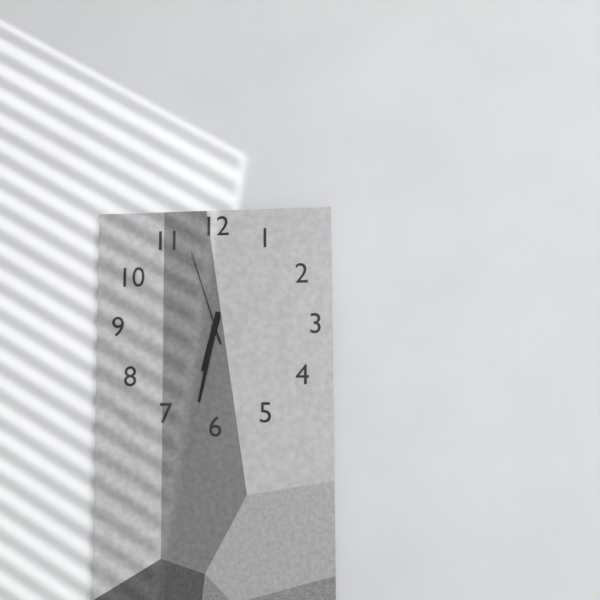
6:32:57
